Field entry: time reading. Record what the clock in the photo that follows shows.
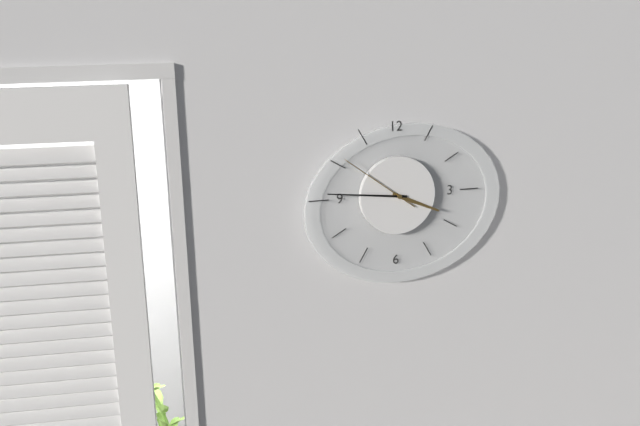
3:46:51
